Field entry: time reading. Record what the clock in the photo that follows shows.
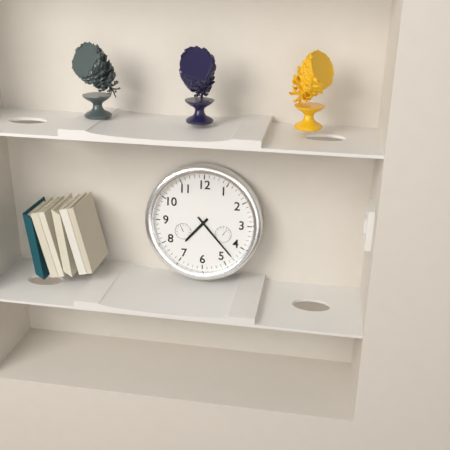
7:23
